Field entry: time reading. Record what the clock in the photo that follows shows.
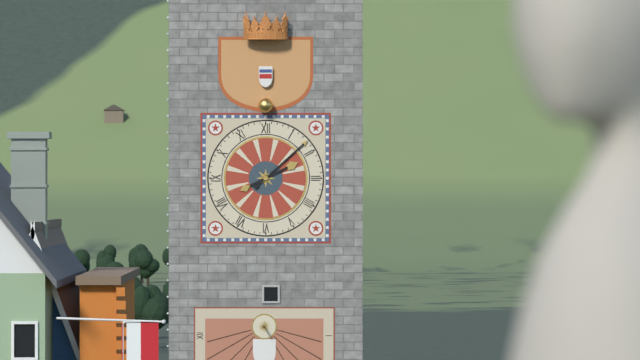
2:08
